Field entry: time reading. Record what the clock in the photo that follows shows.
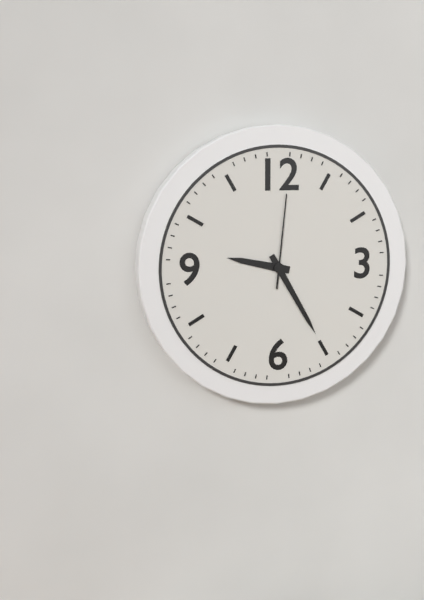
9:25:01
